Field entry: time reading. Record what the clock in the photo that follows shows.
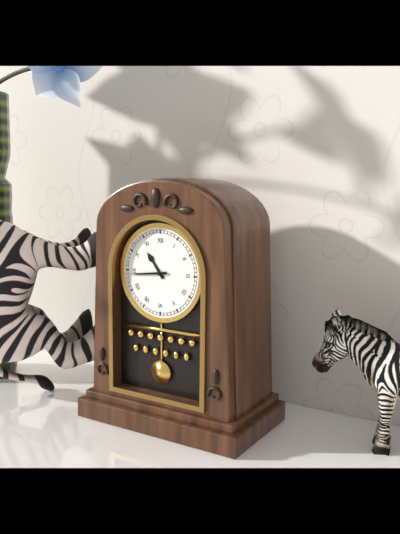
10:44
